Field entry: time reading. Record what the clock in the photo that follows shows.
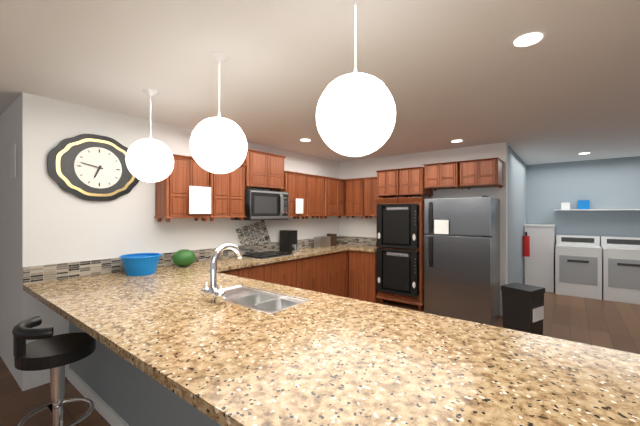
6:47
